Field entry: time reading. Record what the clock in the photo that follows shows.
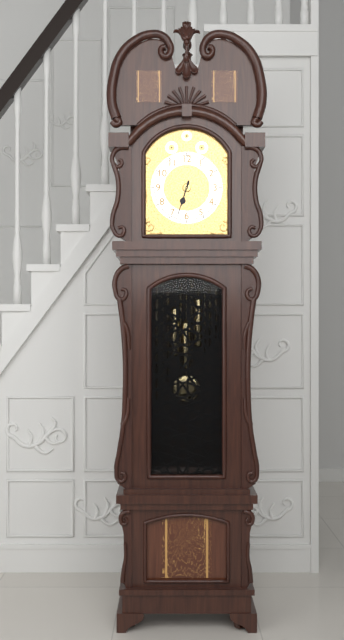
6:33
